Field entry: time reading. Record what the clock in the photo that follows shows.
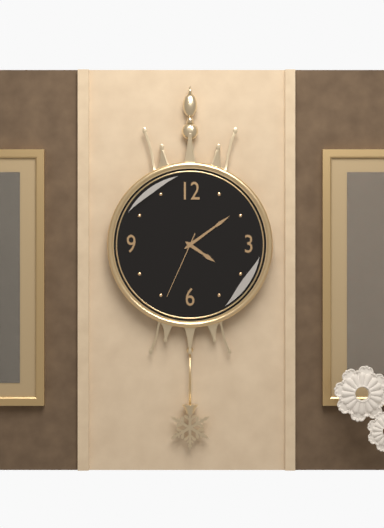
4:09:34
